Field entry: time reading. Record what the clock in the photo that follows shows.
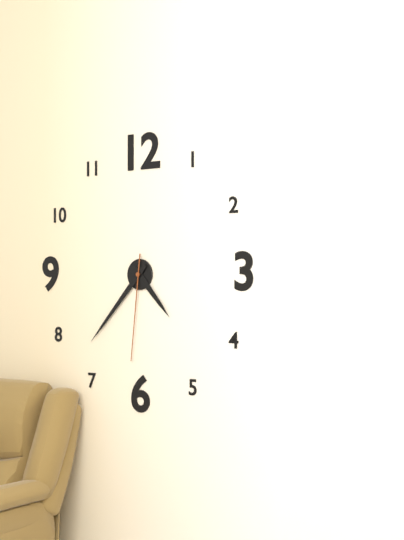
4:37:31
